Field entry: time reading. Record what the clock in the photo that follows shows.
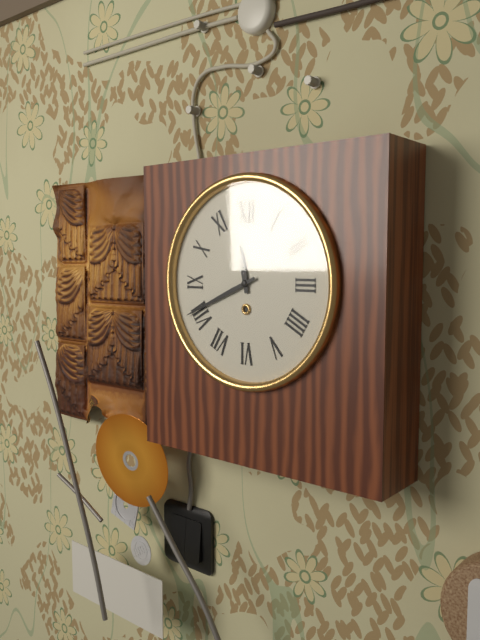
11:41
